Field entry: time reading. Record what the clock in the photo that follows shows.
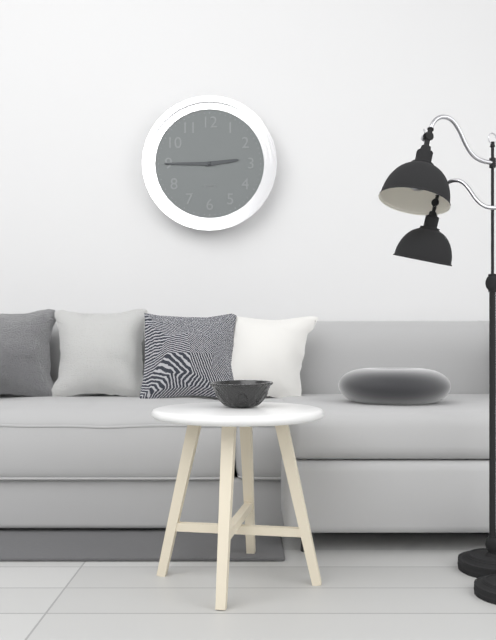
2:45
